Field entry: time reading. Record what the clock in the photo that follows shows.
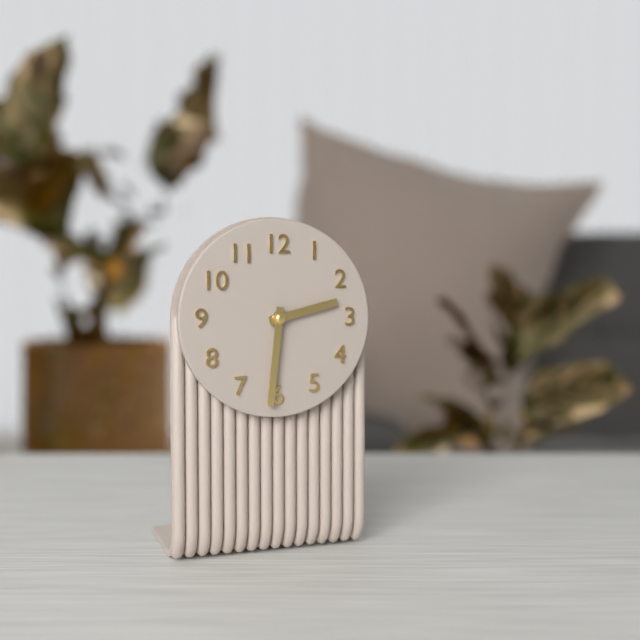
2:31
